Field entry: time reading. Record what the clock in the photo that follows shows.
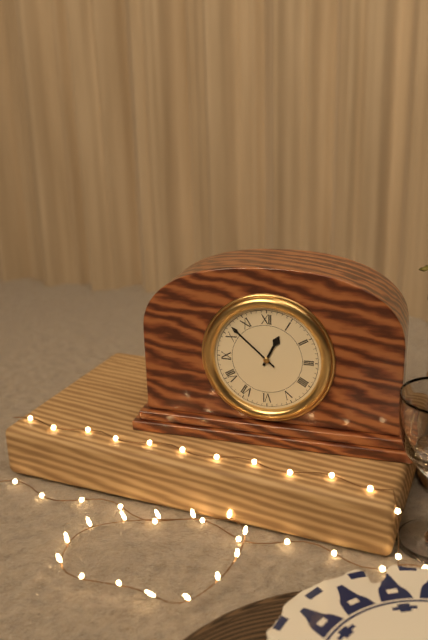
12:52
